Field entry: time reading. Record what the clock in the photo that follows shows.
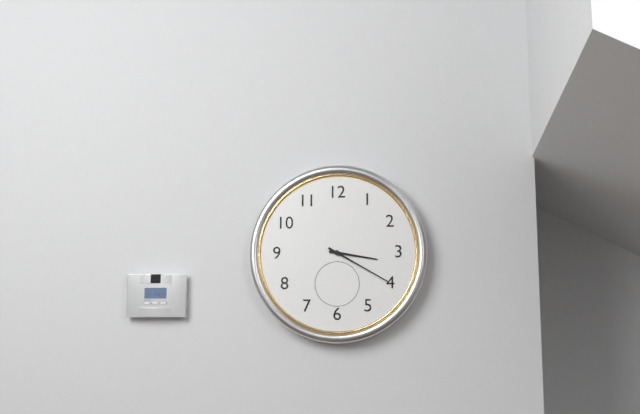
3:20
